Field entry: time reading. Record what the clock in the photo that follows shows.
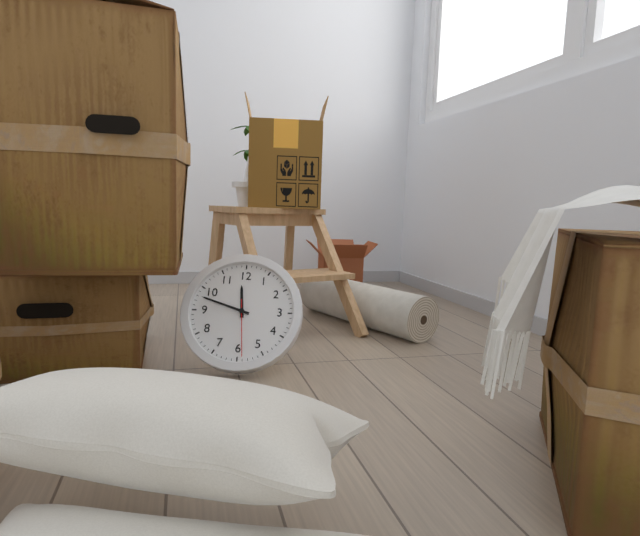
11:48:29
